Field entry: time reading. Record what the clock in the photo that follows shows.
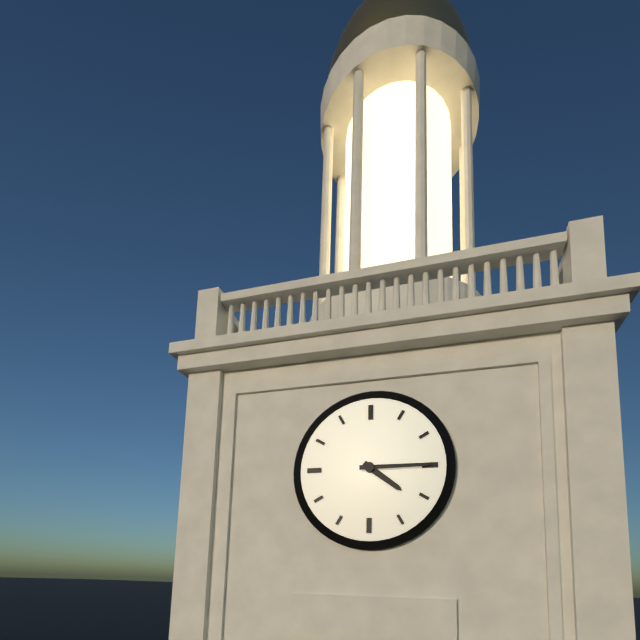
4:15
